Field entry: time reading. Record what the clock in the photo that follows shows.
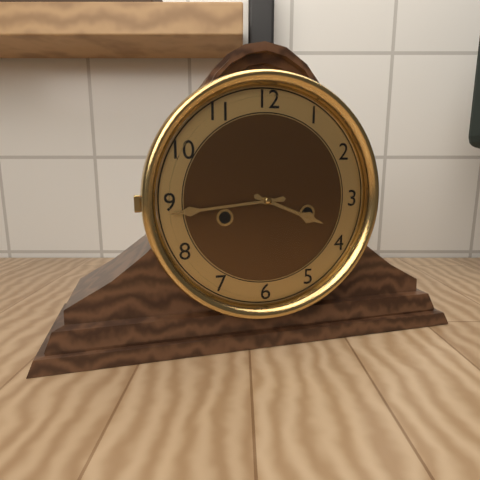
3:44
